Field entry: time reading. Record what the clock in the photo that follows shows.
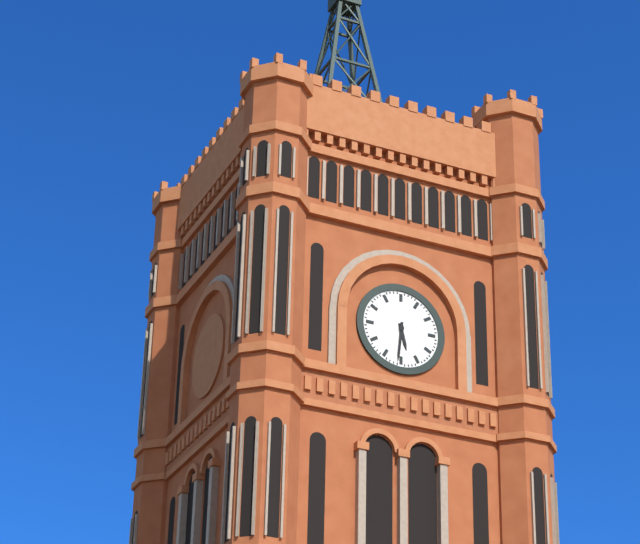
5:31
